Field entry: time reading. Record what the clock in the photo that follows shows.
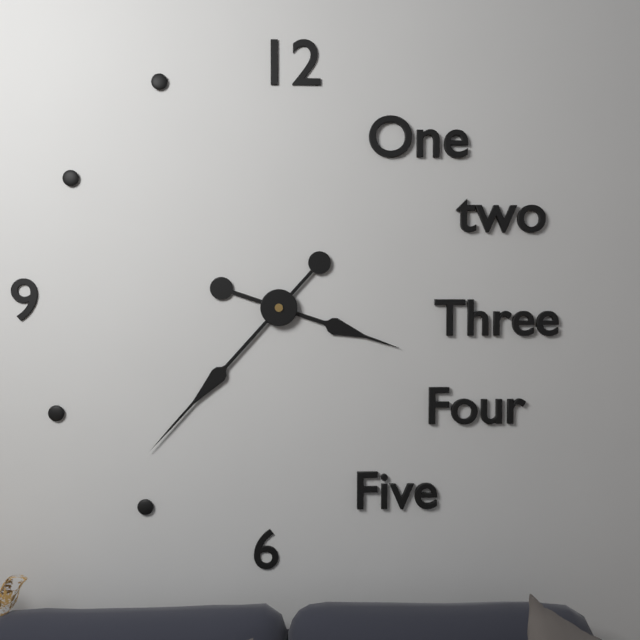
3:37
